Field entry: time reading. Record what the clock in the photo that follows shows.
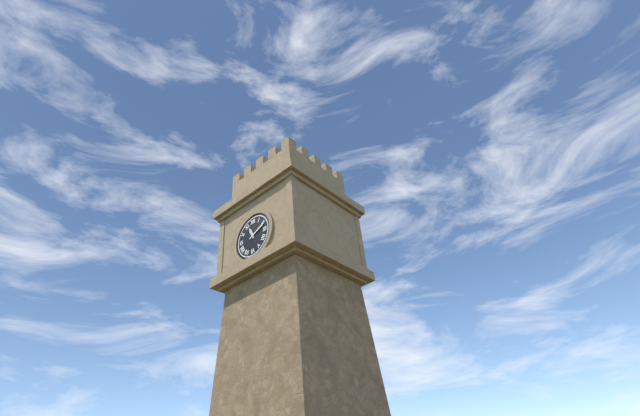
11:11
